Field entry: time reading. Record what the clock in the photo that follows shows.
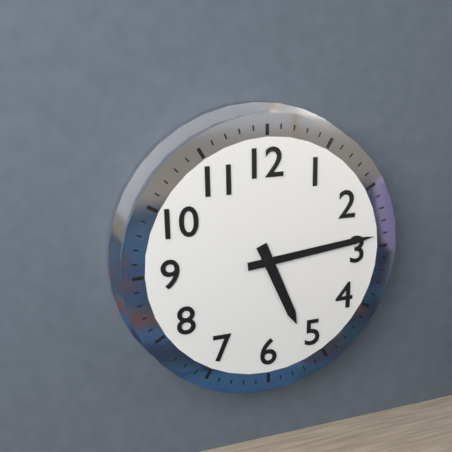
5:14
